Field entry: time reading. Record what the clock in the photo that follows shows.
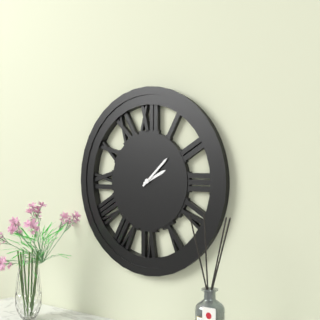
2:08
